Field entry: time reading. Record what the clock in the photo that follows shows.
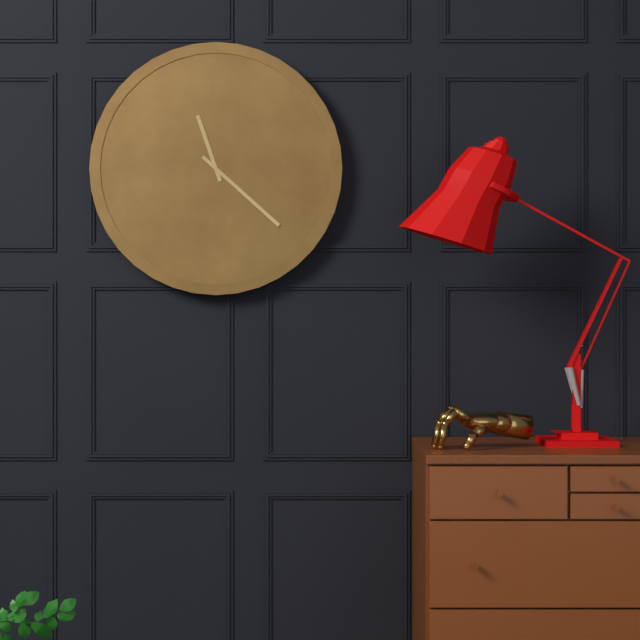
11:22
